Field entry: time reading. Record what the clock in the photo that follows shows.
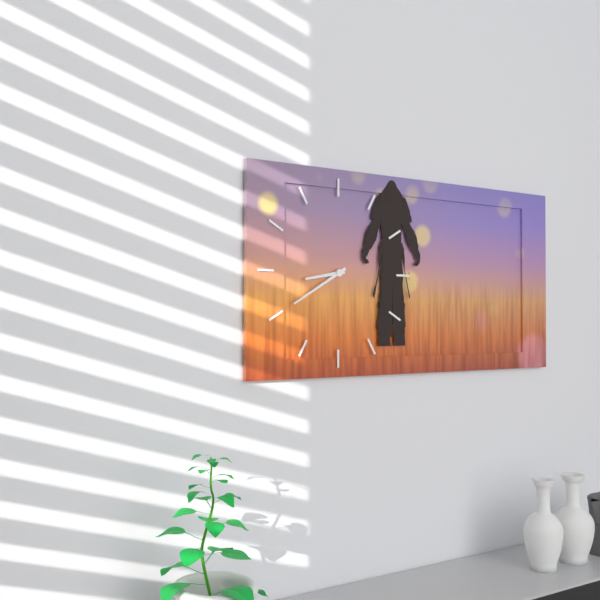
8:40
